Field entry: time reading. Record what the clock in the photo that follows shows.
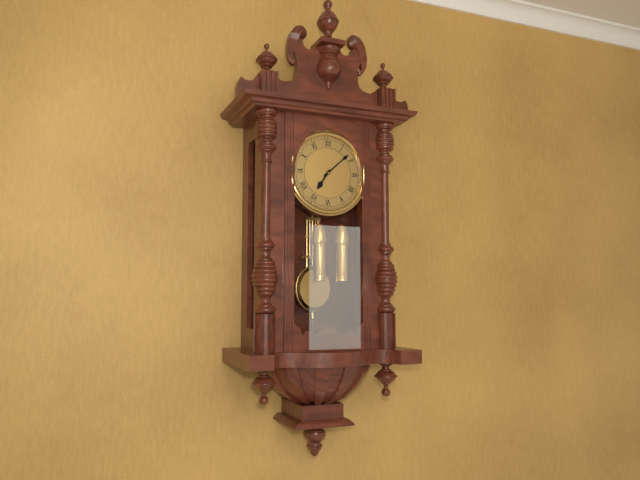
7:08
